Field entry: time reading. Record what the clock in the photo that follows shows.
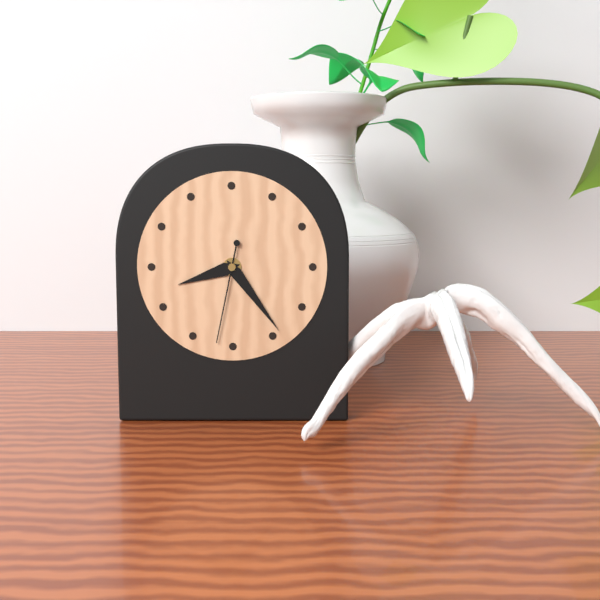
8:24:32
